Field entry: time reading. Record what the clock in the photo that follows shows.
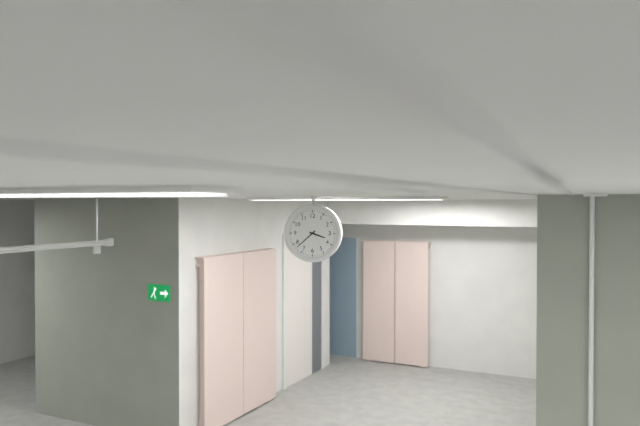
3:38
